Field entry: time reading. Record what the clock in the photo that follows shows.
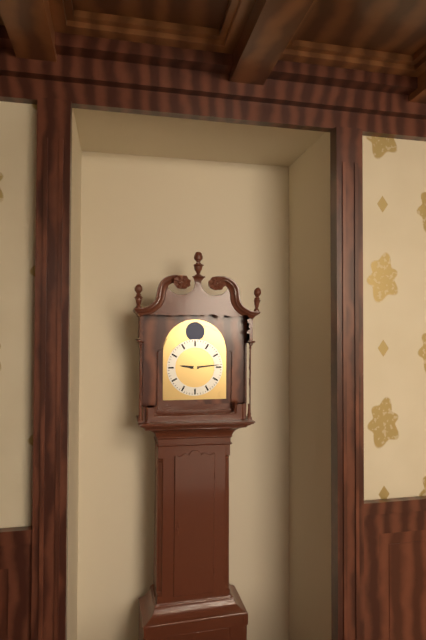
9:14
